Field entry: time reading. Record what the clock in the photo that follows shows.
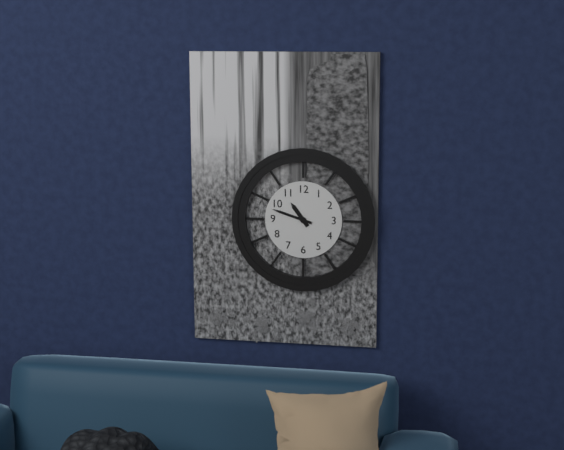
10:48
